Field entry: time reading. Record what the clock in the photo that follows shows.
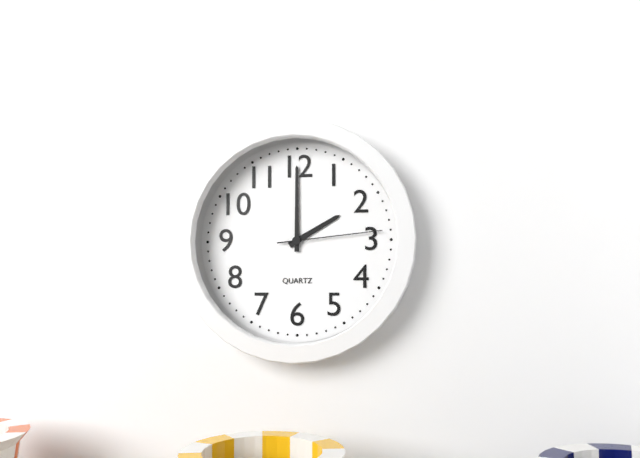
2:00:14
